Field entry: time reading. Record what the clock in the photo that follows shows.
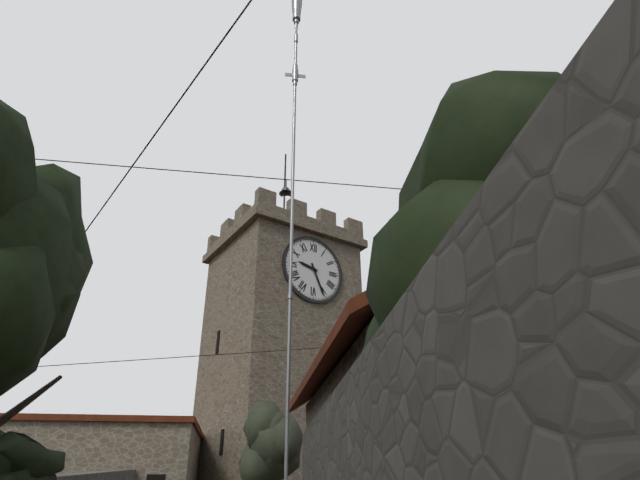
9:26
